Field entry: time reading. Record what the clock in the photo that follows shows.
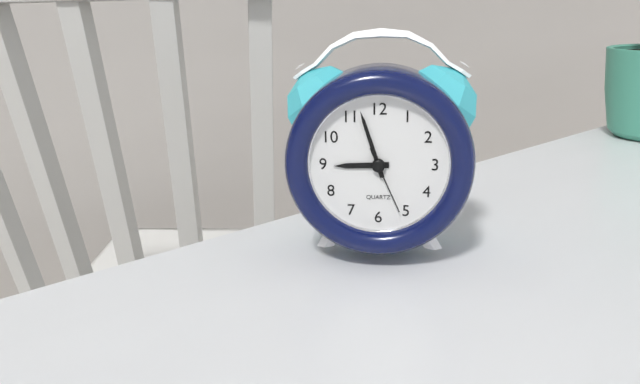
8:57:26
